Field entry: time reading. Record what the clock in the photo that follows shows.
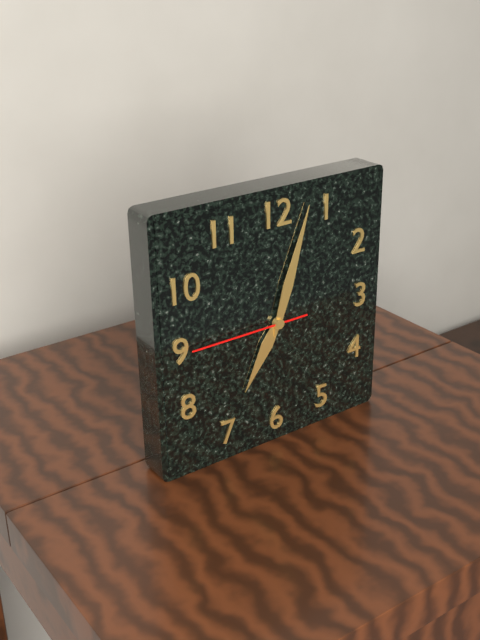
7:03:45
